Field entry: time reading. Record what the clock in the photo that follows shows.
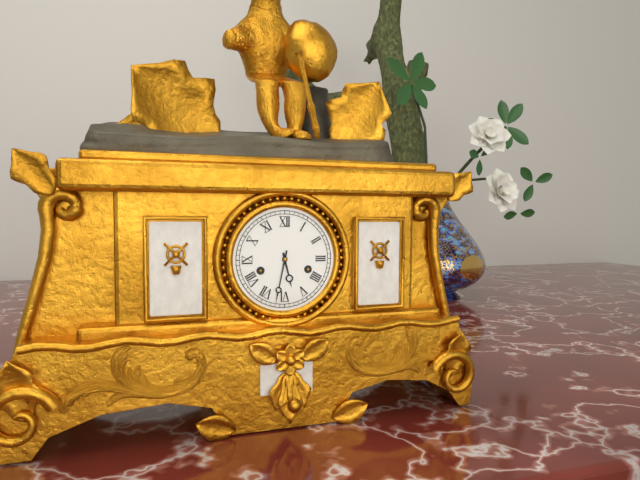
5:32
